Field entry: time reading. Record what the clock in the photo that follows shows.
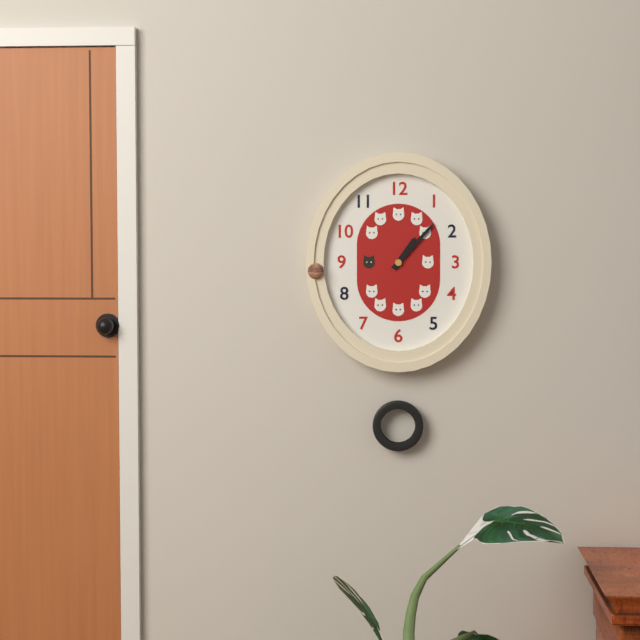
1:07
